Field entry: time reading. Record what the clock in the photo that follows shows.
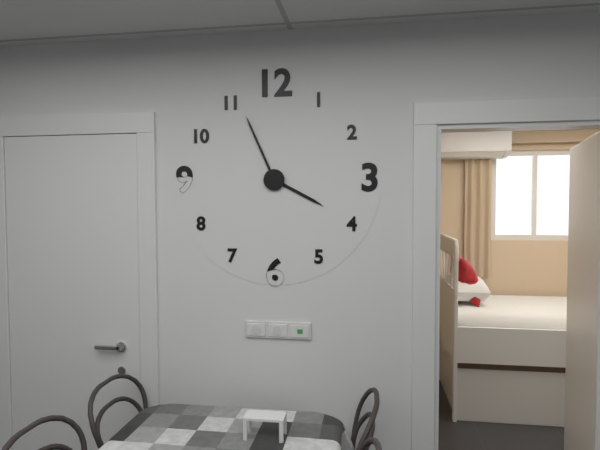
3:56
